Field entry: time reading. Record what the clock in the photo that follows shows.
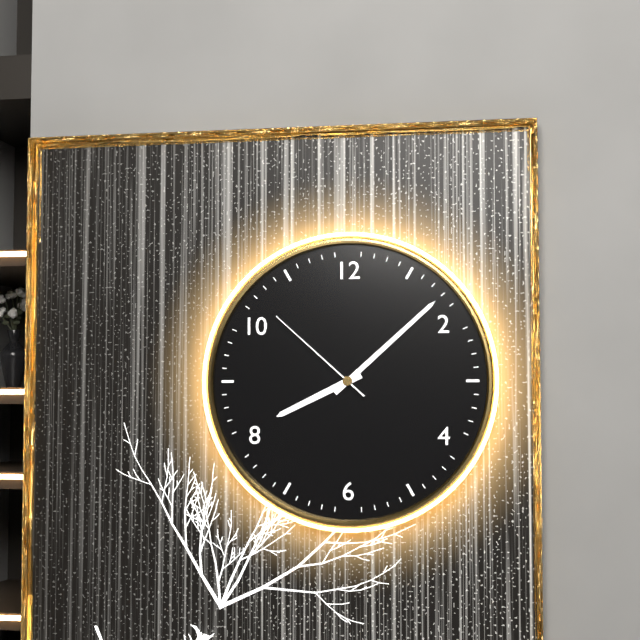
8:08:52
